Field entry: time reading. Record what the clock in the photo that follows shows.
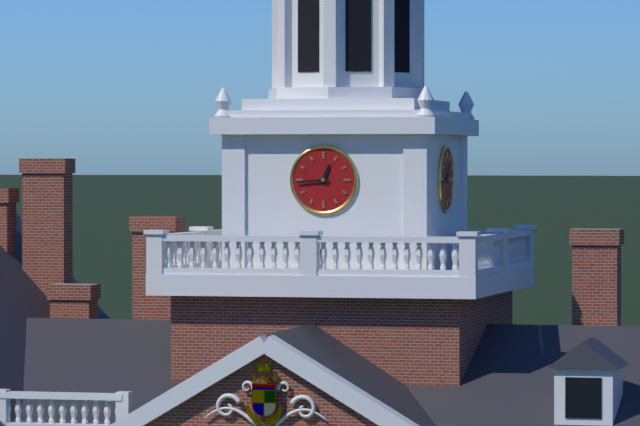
12:44
